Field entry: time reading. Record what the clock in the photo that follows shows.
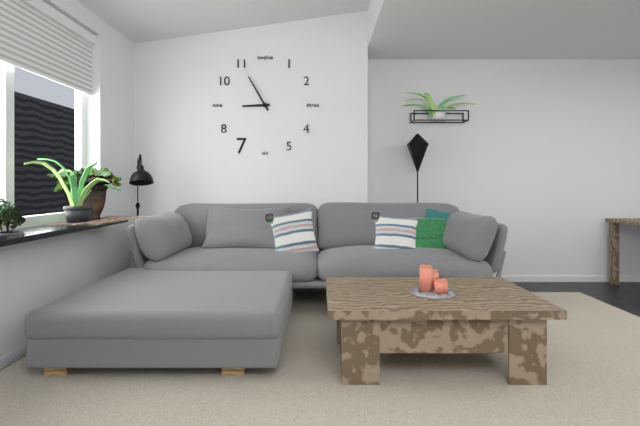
8:55
